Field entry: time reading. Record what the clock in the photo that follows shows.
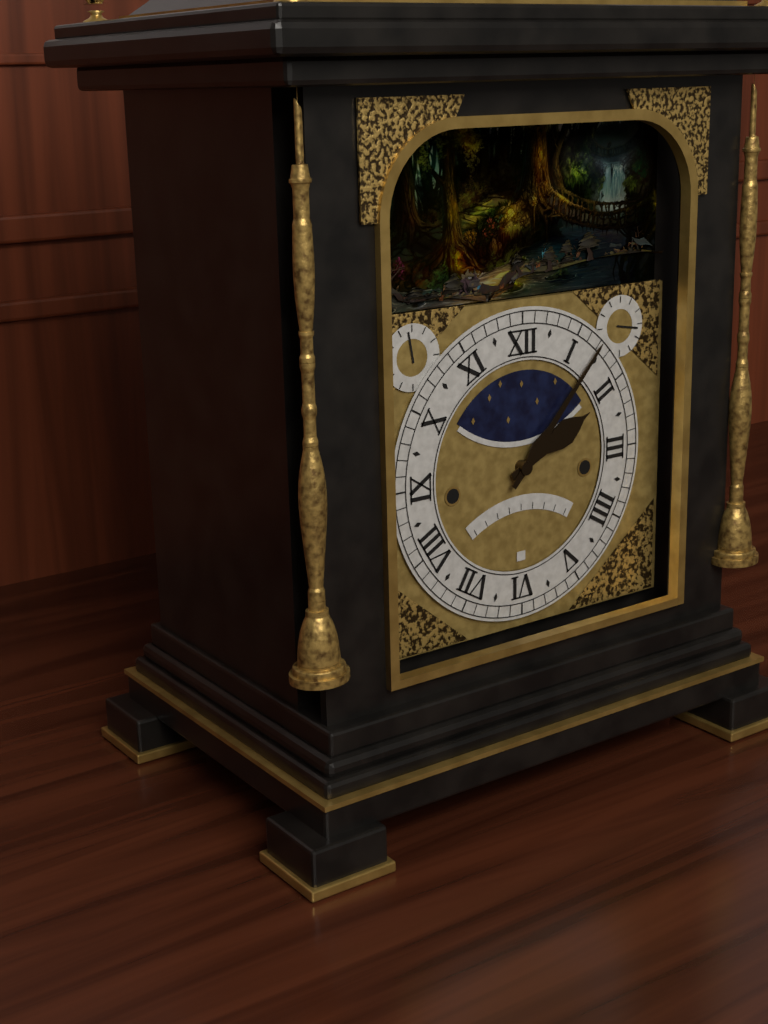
2:07
